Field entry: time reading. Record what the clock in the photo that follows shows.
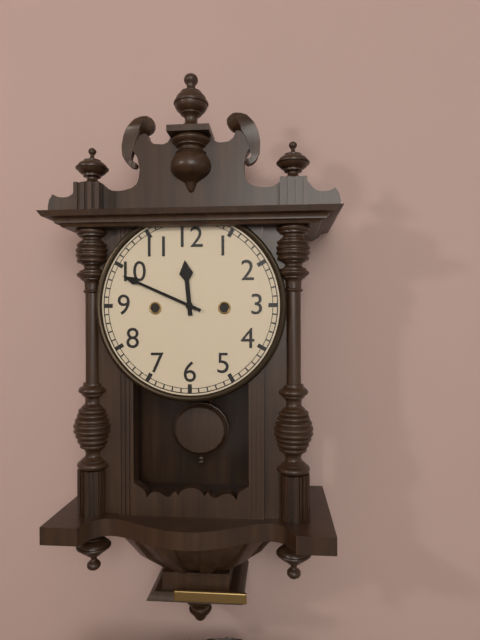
11:49
